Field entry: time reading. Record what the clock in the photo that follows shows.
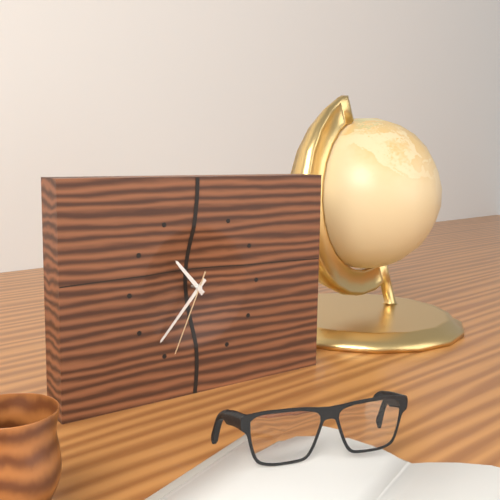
10:37:34
